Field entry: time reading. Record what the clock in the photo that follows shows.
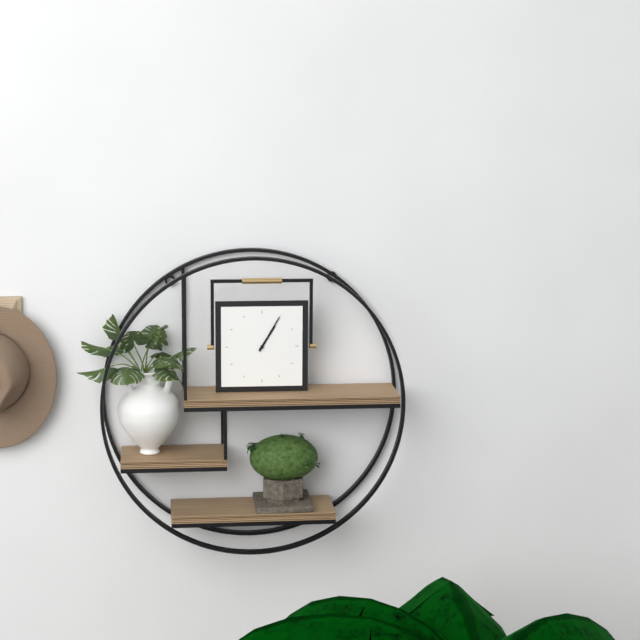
1:05
